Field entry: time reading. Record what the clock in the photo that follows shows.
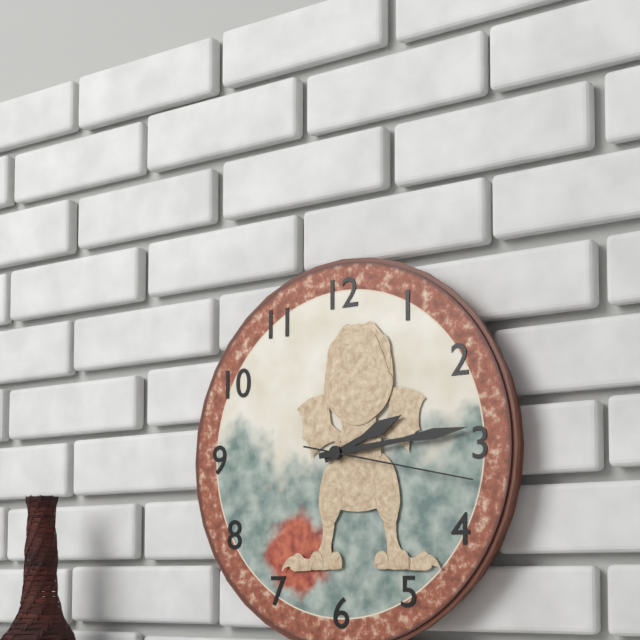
2:14:17
